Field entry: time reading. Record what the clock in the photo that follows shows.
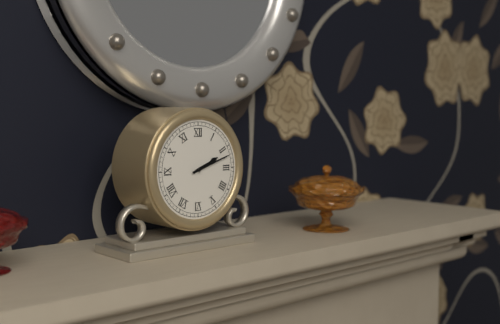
2:12
